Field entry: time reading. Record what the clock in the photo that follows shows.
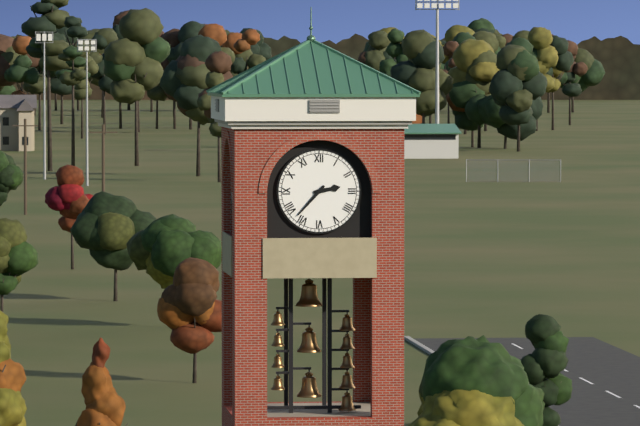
2:37
